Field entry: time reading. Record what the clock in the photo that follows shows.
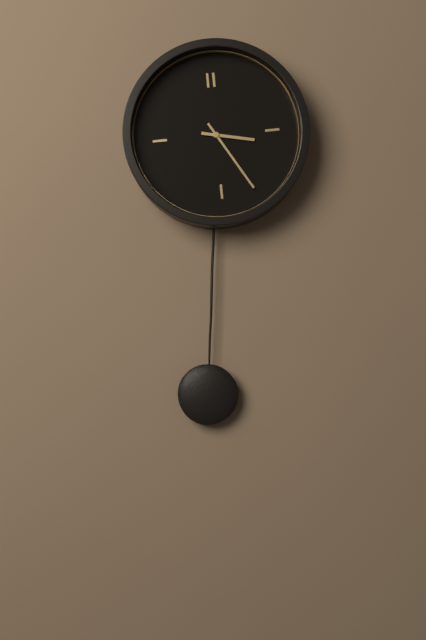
3:25
